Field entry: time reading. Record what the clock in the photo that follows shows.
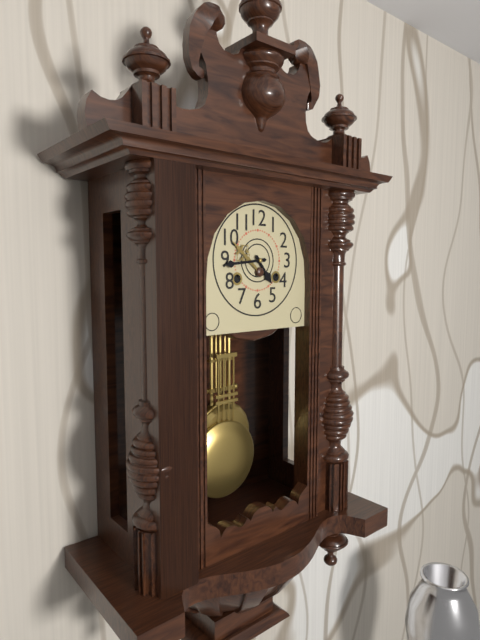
4:44
